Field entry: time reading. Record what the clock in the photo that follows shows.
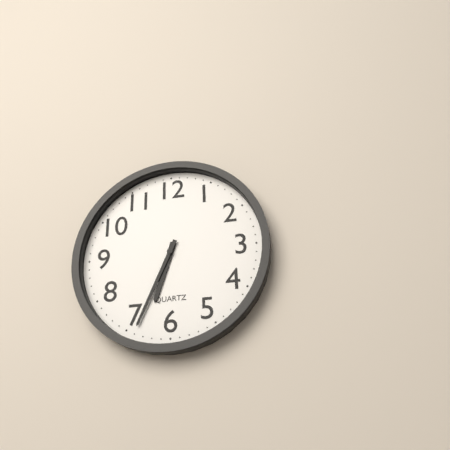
6:34
